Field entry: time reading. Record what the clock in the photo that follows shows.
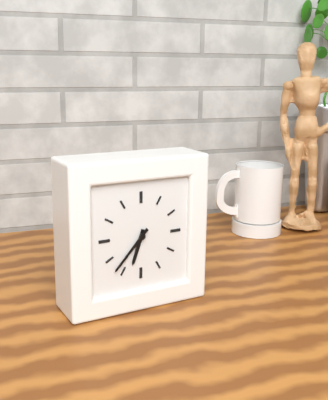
6:37
